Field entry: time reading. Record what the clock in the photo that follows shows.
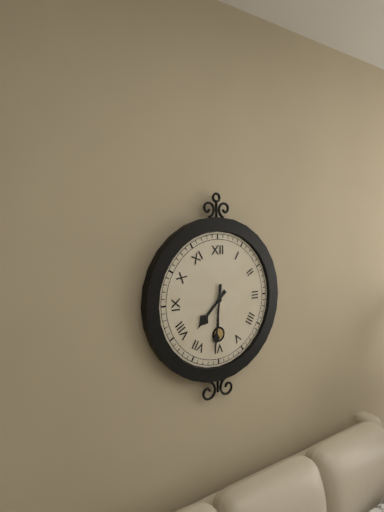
7:31
